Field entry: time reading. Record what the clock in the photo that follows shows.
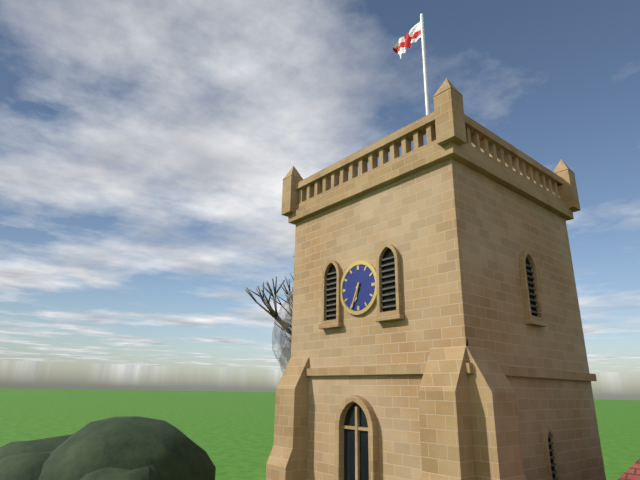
6:34
